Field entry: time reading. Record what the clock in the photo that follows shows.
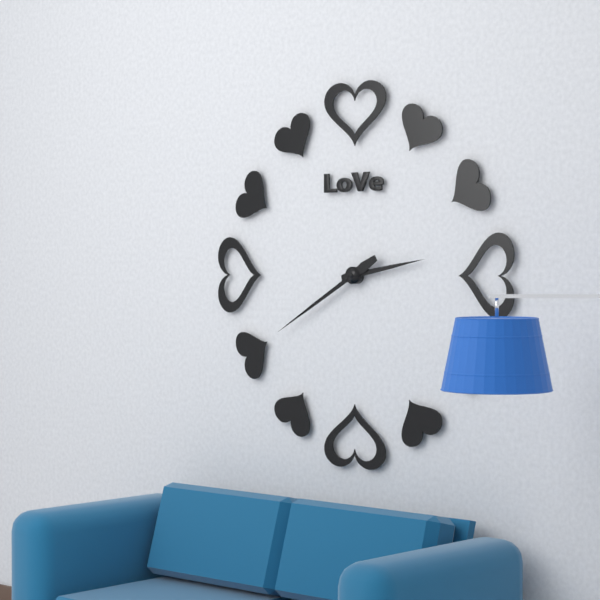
2:40
